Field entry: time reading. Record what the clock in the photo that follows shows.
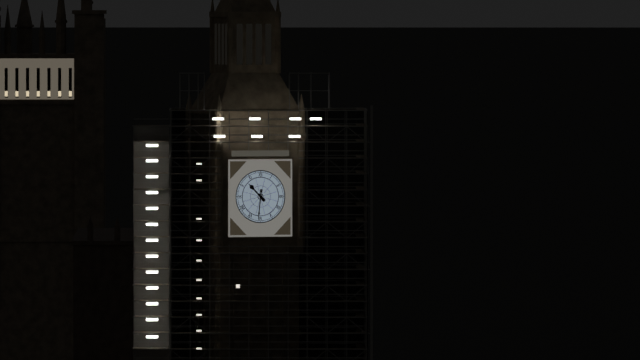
10:31
